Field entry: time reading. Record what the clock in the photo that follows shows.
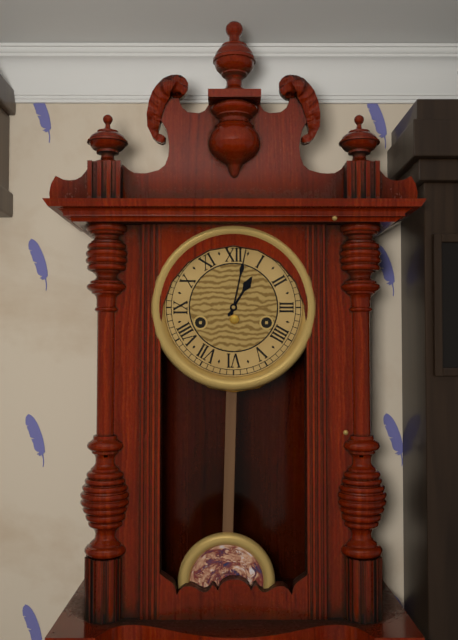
1:02
